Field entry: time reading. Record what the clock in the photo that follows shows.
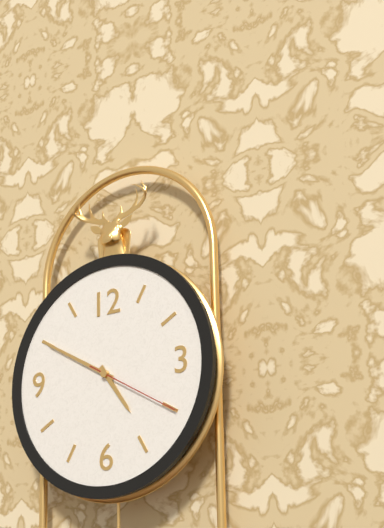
4:50:20
